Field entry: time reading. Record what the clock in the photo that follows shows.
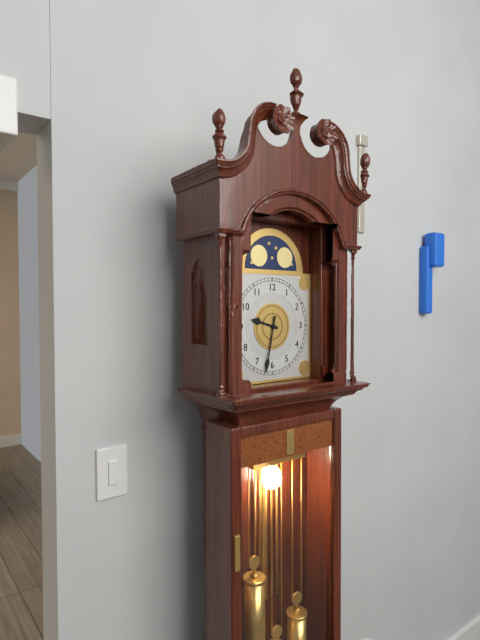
9:32
